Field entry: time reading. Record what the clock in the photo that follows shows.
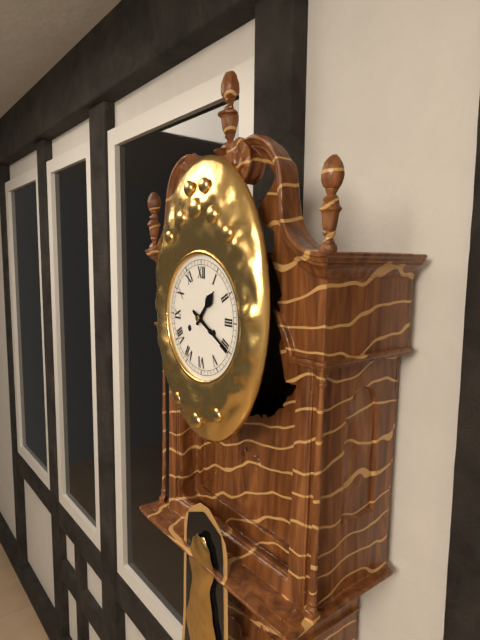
1:20
